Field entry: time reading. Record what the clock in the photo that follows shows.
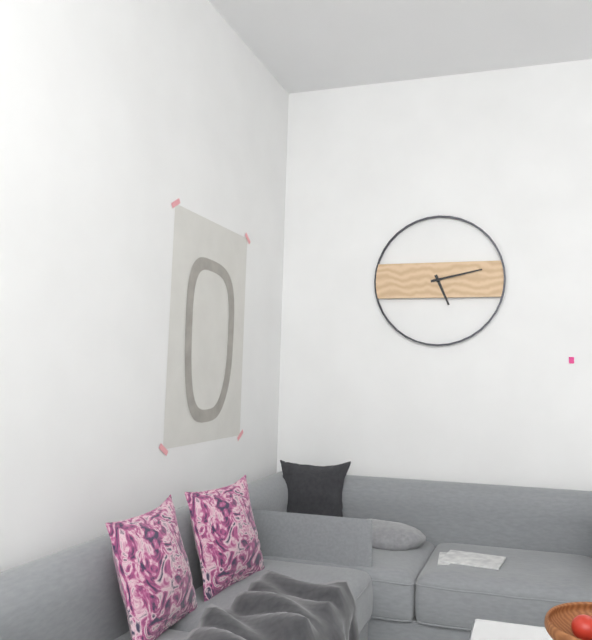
5:13
